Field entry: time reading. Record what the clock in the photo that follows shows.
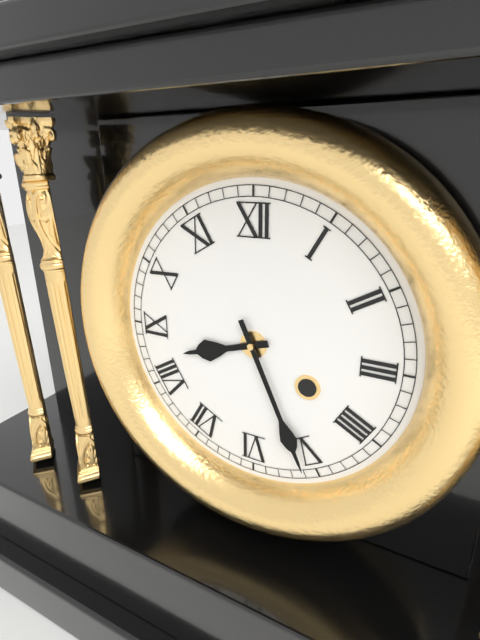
8:26
